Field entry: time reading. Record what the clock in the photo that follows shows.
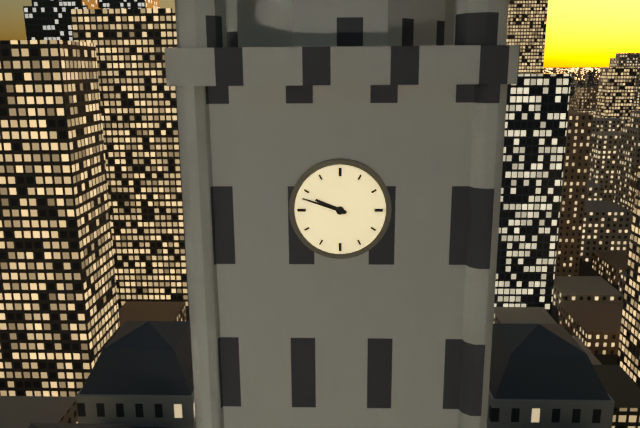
9:48
